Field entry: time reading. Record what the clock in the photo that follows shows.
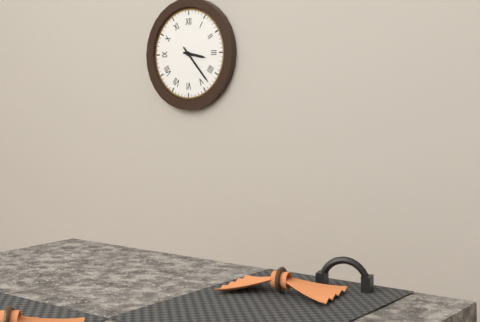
3:23
